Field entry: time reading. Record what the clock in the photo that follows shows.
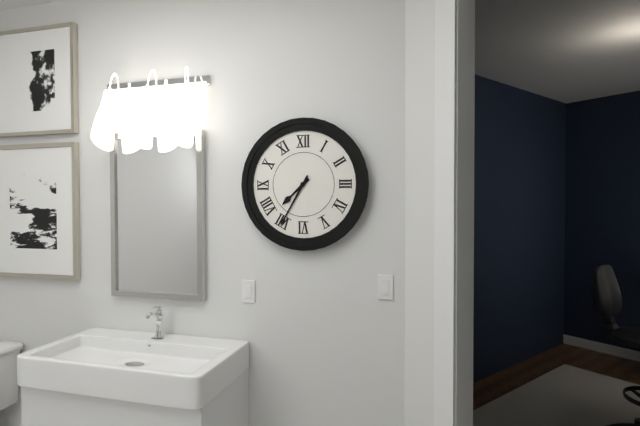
7:35
